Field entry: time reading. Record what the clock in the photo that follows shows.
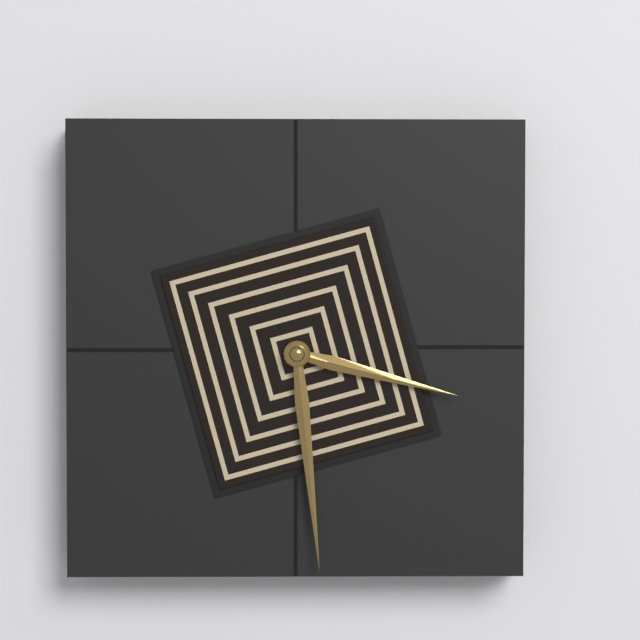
3:29
